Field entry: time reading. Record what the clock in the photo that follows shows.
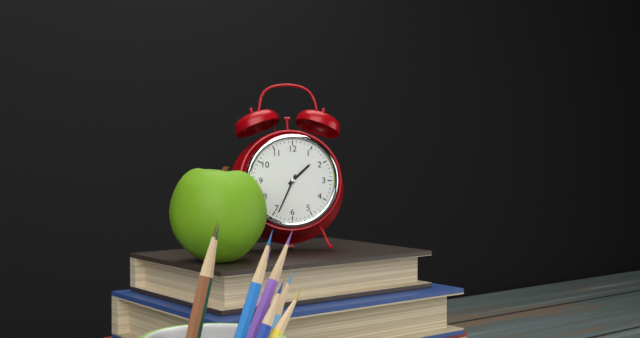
1:34
